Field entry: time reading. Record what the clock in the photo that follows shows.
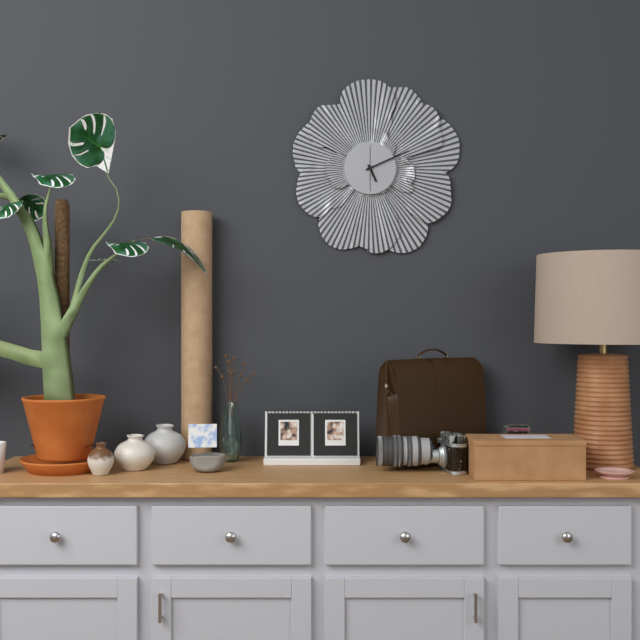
5:11
